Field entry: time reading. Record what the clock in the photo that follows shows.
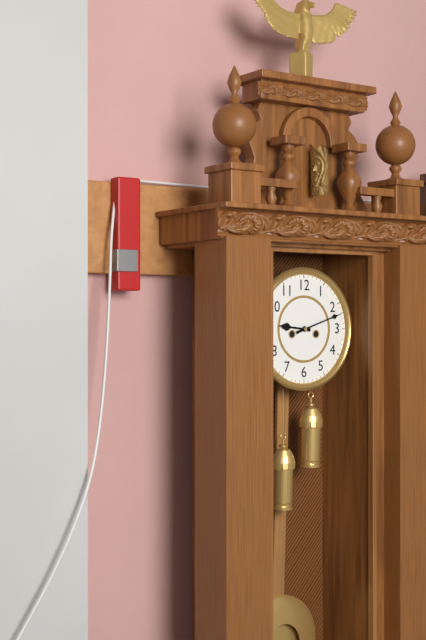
9:12
